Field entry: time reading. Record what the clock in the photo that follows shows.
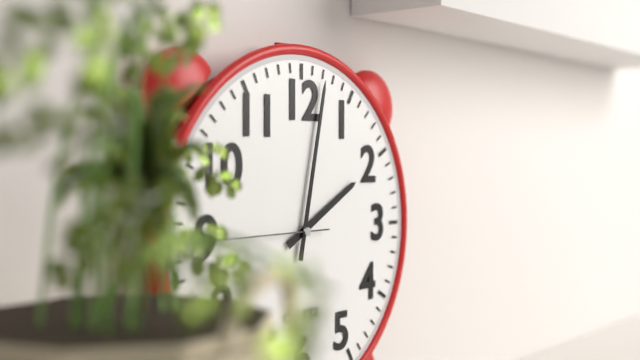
2:02
